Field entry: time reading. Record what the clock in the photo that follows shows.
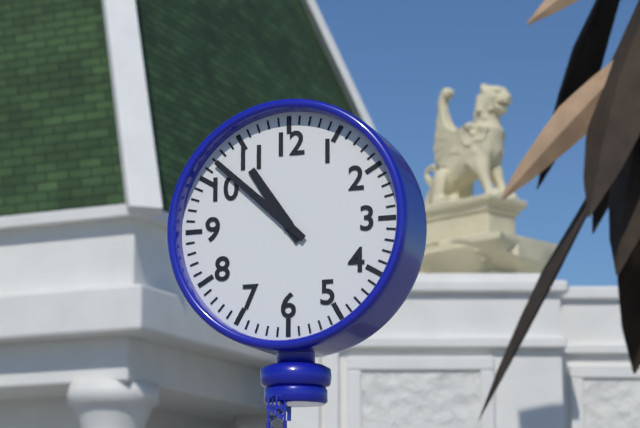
10:52
